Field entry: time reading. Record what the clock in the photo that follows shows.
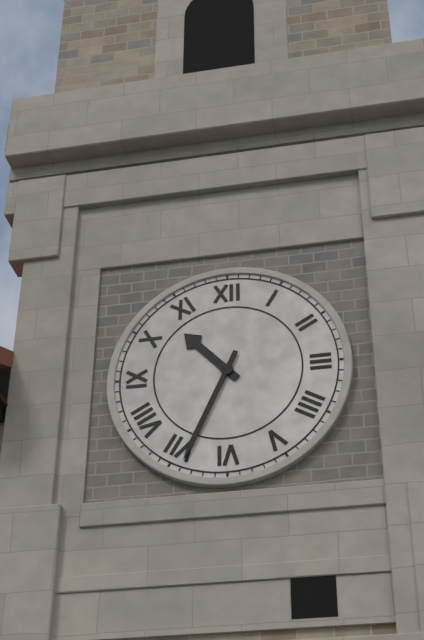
10:34
